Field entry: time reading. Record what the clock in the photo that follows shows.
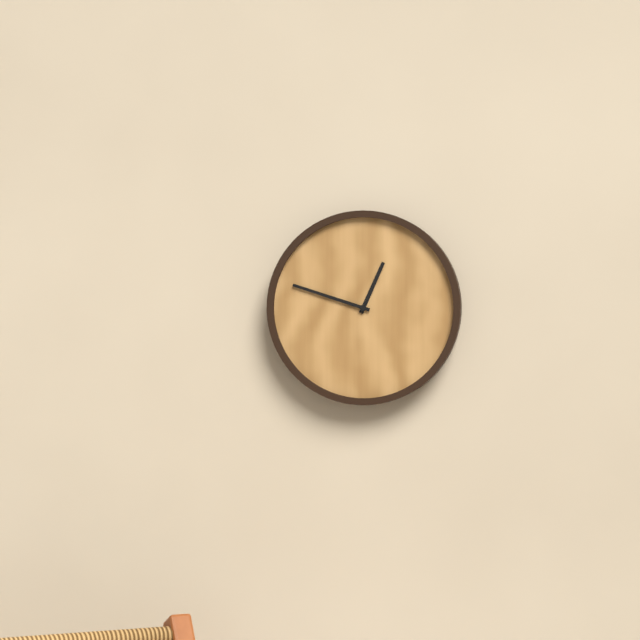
12:48
